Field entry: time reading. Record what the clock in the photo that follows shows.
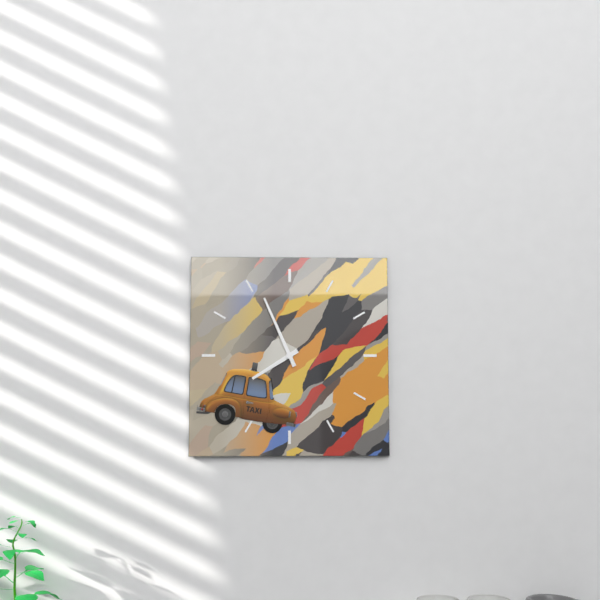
7:56
